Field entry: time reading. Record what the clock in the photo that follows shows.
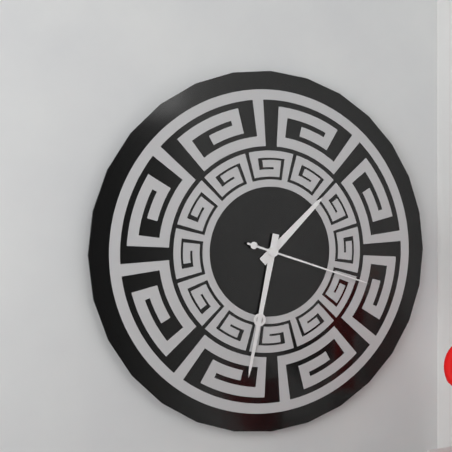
1:32:18
